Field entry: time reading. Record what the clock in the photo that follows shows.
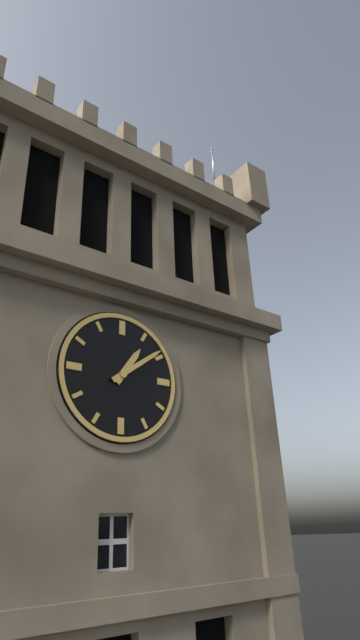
1:09
